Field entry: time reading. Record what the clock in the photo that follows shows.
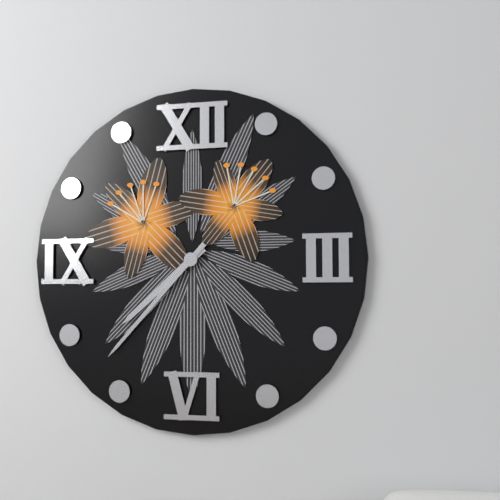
7:37
